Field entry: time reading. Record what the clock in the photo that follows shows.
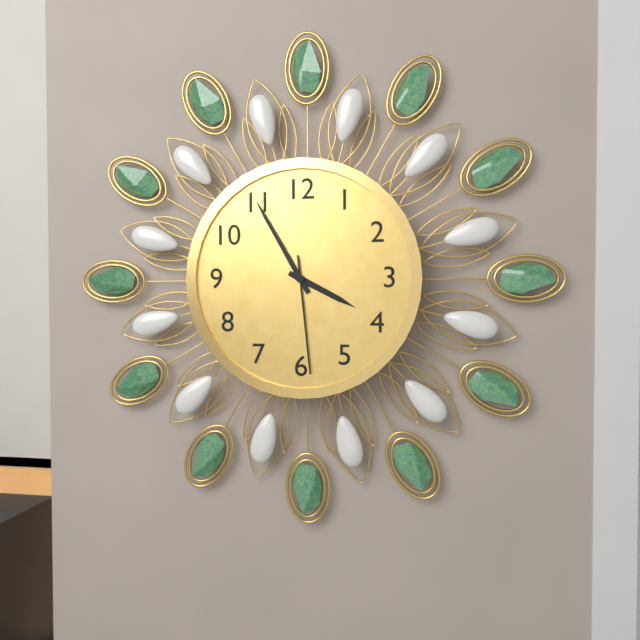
3:55:29
